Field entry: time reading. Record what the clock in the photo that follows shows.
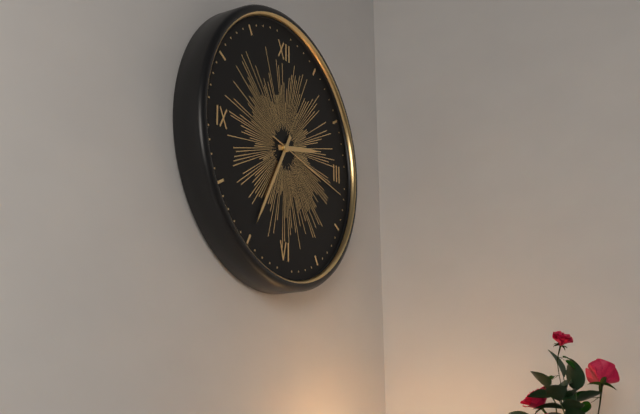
2:35:17
